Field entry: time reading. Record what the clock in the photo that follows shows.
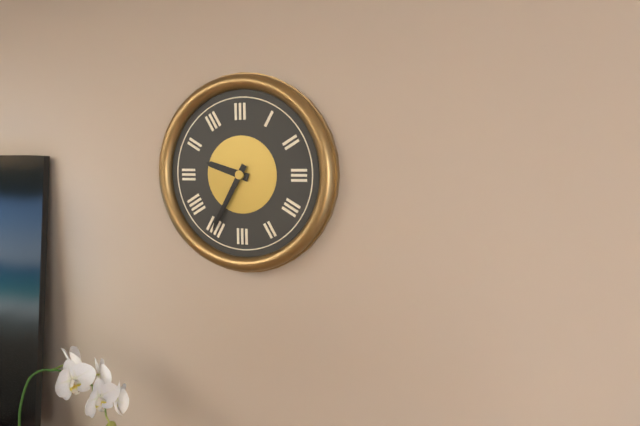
9:35
